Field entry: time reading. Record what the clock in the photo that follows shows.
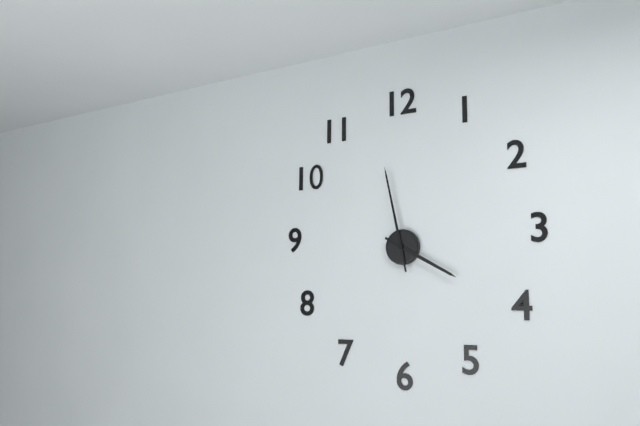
3:58
